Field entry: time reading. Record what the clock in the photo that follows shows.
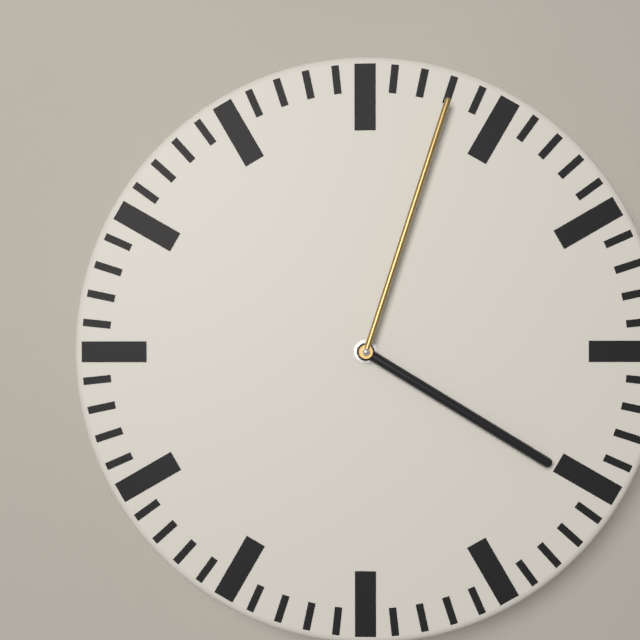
4:03
